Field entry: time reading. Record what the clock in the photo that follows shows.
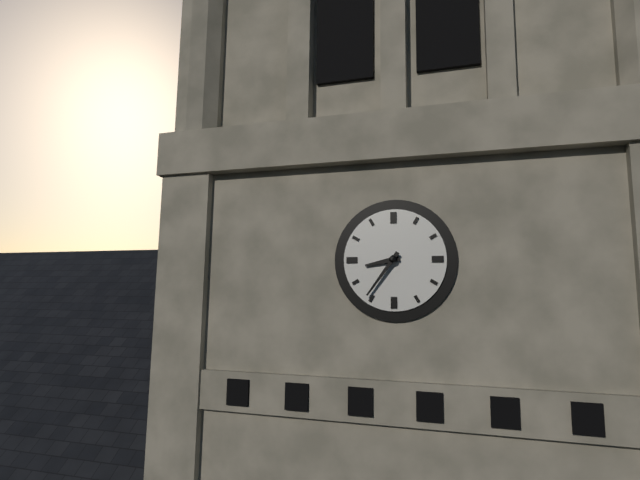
8:36
